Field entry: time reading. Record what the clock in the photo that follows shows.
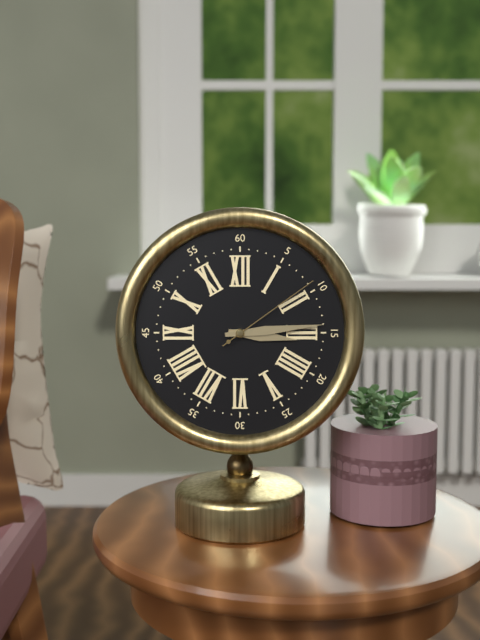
3:14:09
